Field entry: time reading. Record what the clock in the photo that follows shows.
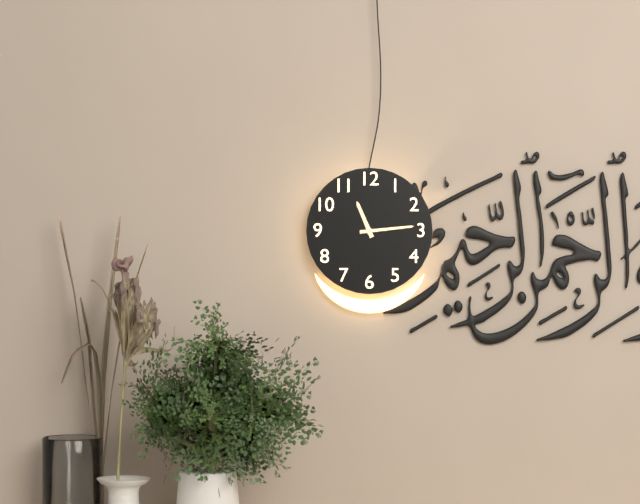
11:14
